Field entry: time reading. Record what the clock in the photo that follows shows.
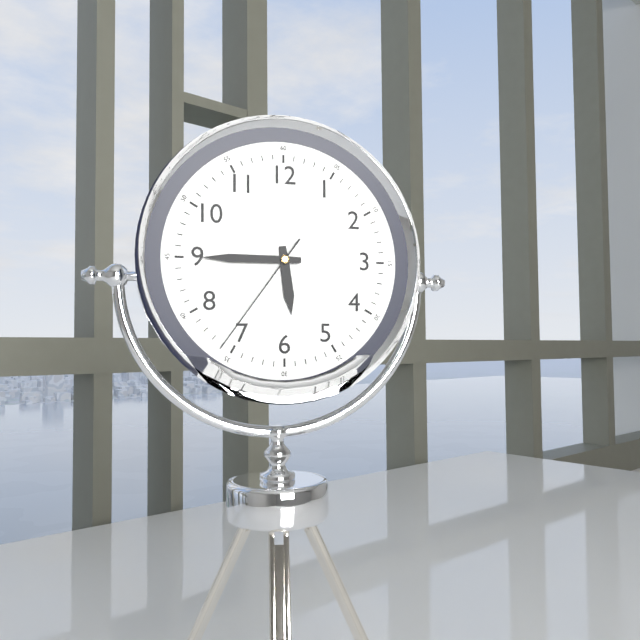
5:45:36
